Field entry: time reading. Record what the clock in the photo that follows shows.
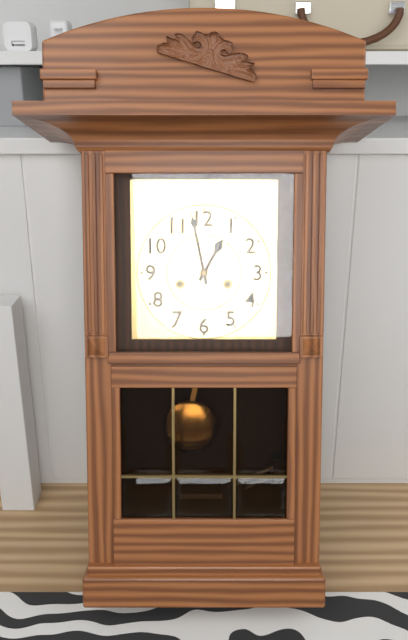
12:58
